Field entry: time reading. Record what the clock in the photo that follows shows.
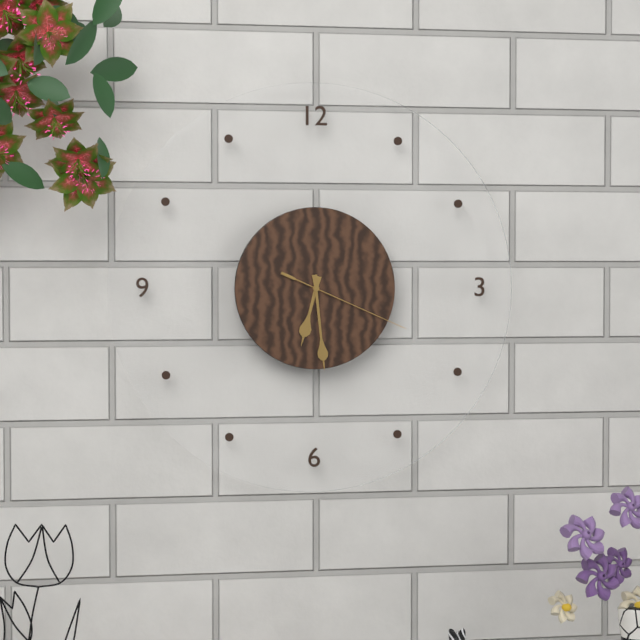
6:29:19
